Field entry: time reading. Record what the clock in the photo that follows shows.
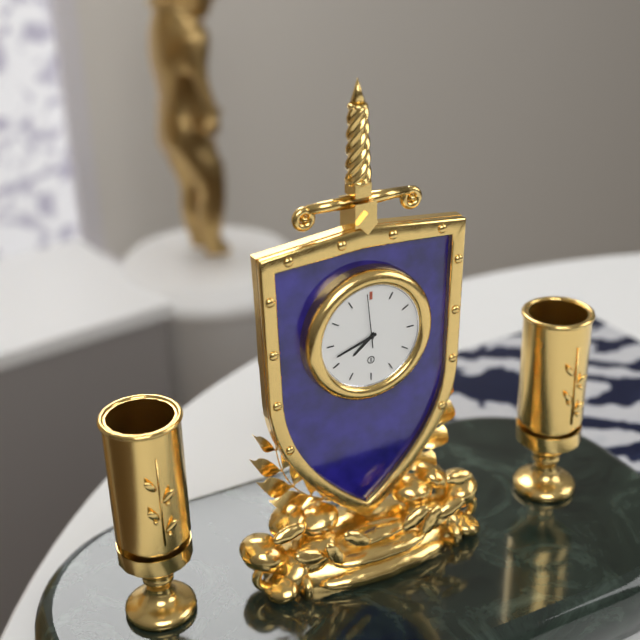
7:42:59
